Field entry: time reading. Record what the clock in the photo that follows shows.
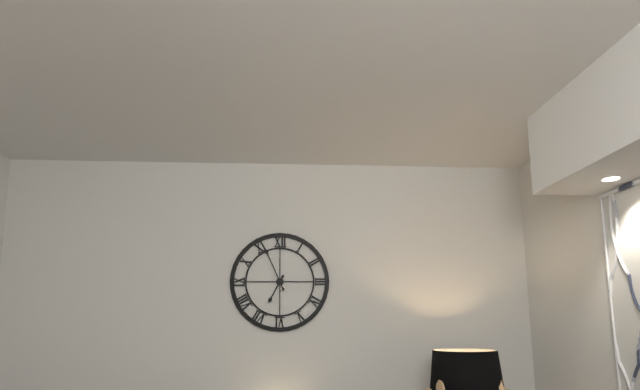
6:56
